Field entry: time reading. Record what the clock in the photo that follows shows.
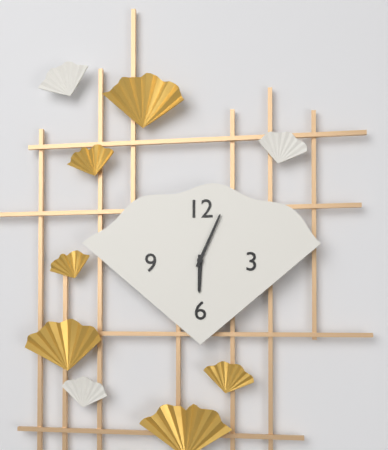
6:04
